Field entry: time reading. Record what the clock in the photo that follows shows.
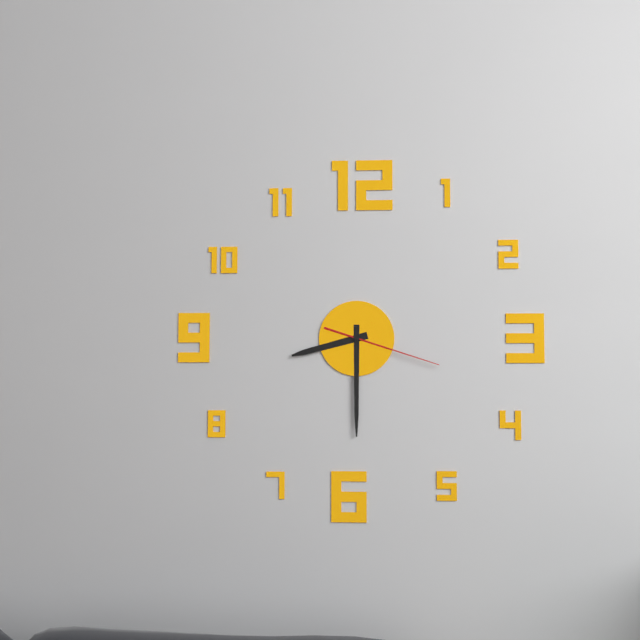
8:30:18
